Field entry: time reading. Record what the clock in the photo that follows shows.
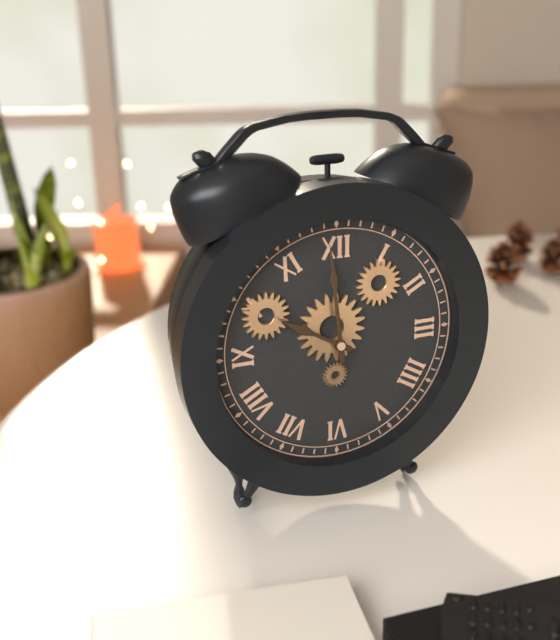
9:59
